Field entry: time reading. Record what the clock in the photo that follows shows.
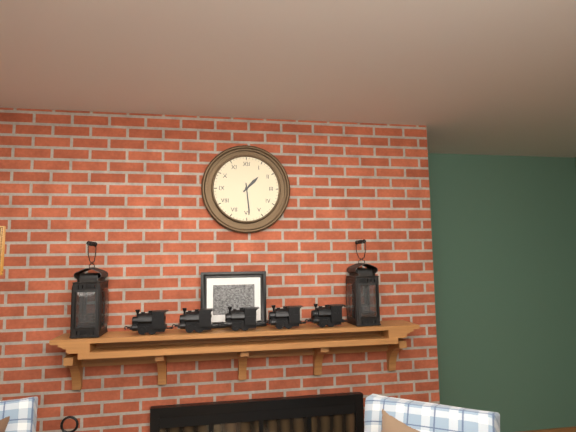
1:29
